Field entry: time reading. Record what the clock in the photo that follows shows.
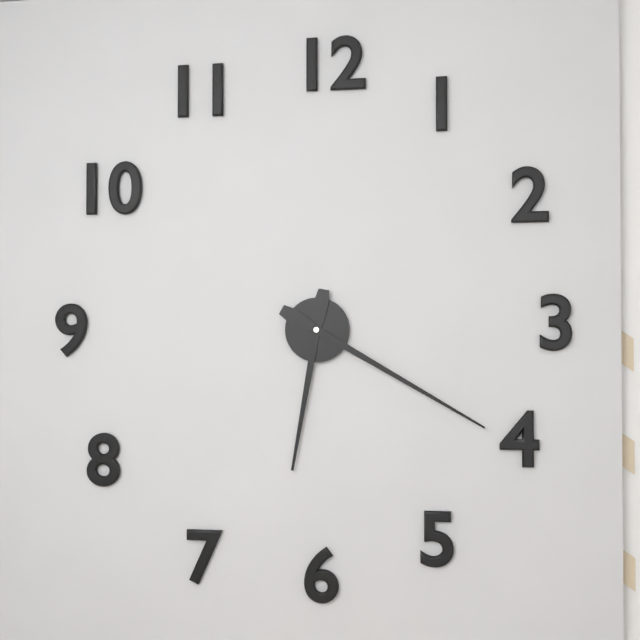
6:20
